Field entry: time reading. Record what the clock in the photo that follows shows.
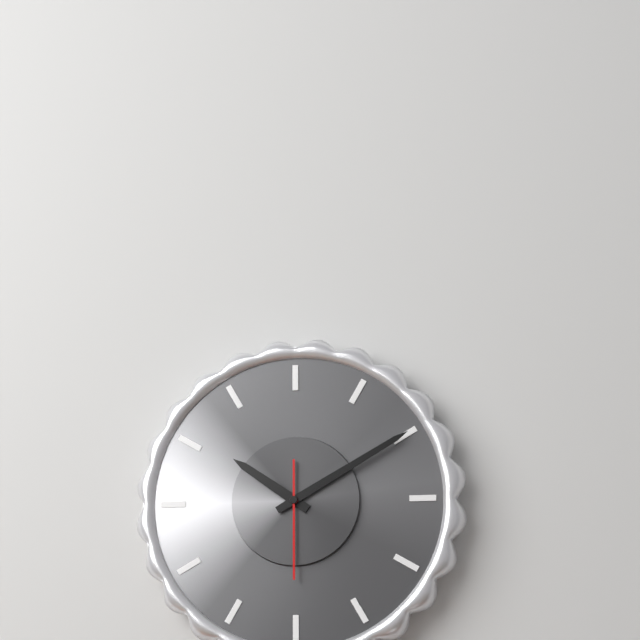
10:10:30
